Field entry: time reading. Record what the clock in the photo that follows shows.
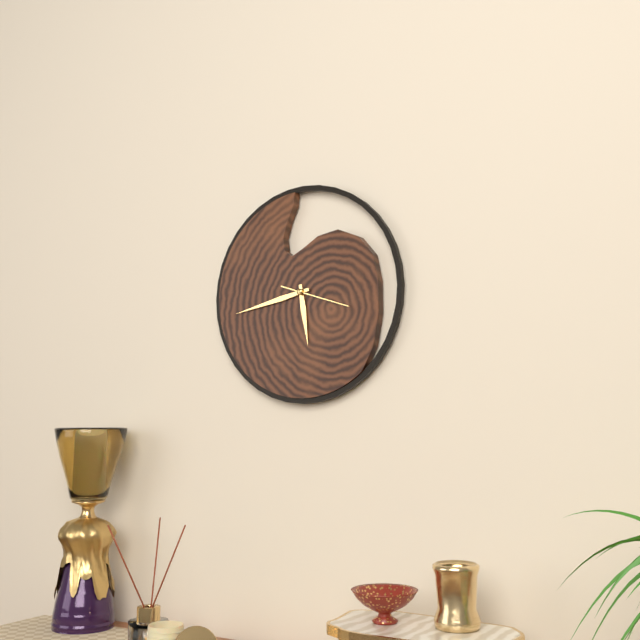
5:43:18
